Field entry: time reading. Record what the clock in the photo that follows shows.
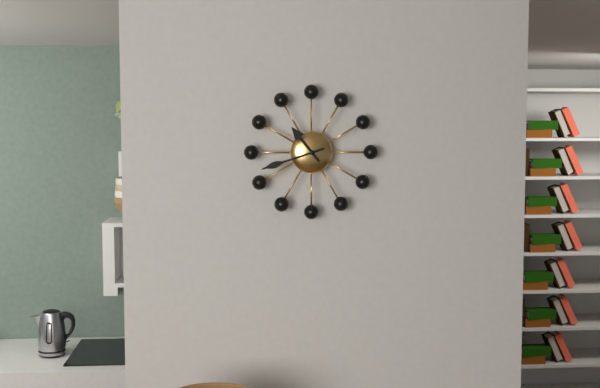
10:42
